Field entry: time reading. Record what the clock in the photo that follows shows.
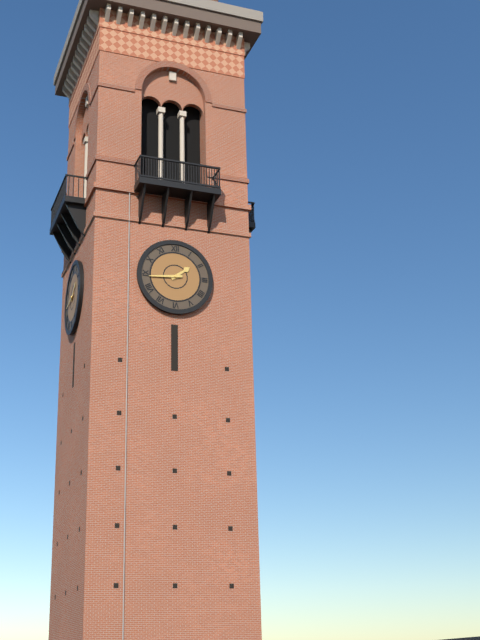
1:44
